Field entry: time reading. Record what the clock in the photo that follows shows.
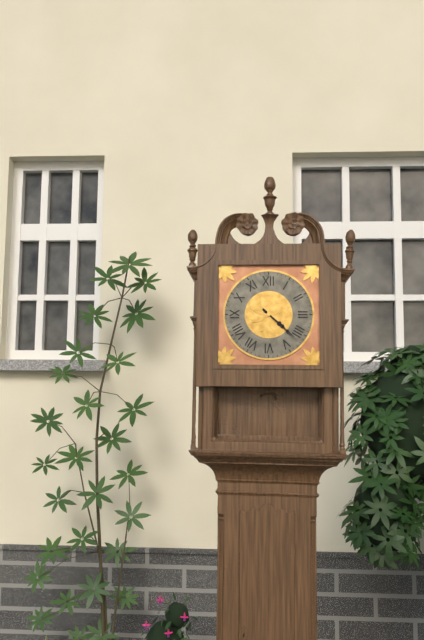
4:22
